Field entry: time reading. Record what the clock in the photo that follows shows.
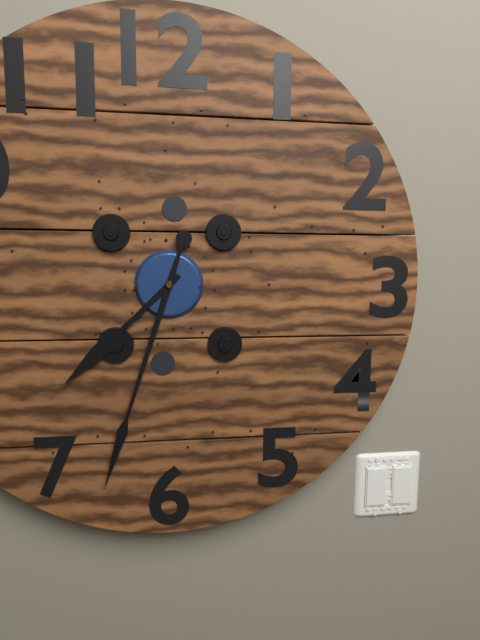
7:33
